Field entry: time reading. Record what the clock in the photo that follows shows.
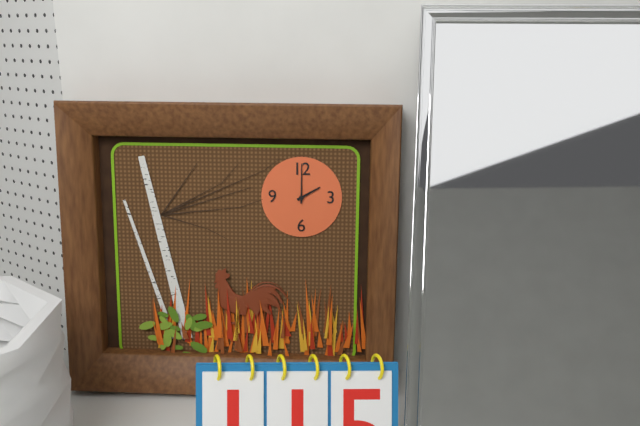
2:00
